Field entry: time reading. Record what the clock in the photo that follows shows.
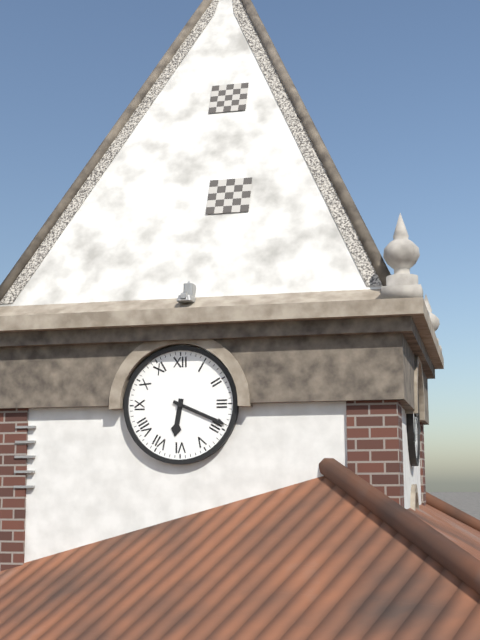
6:19
